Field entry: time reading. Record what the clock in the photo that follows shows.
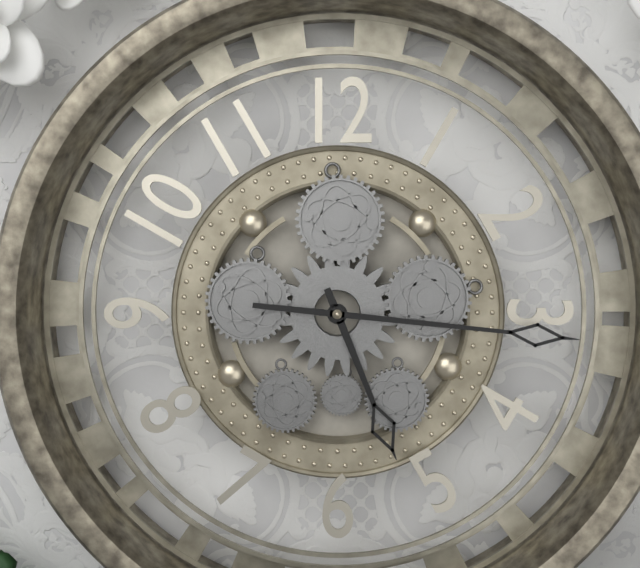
5:16
